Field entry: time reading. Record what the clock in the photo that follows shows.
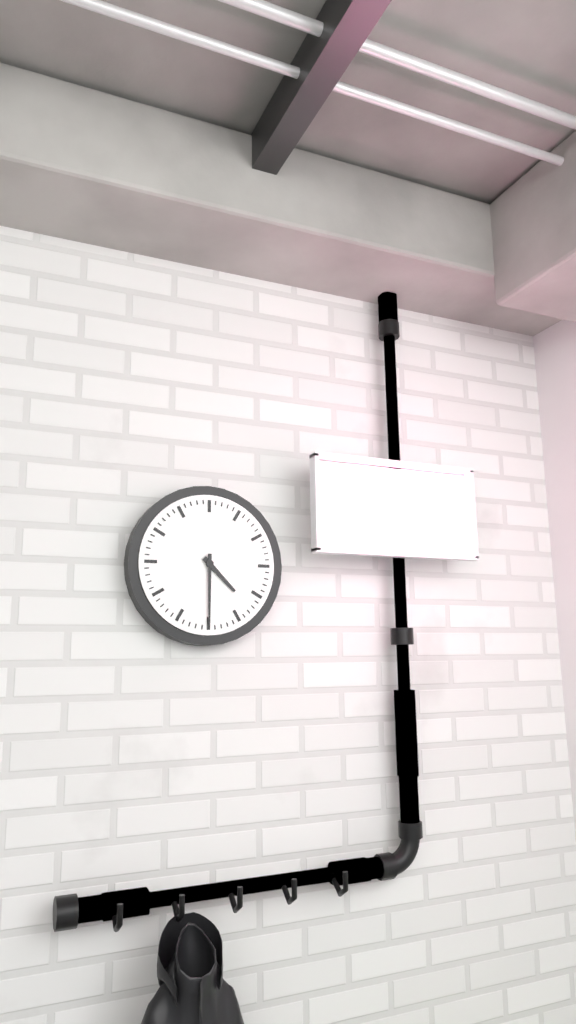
4:30
